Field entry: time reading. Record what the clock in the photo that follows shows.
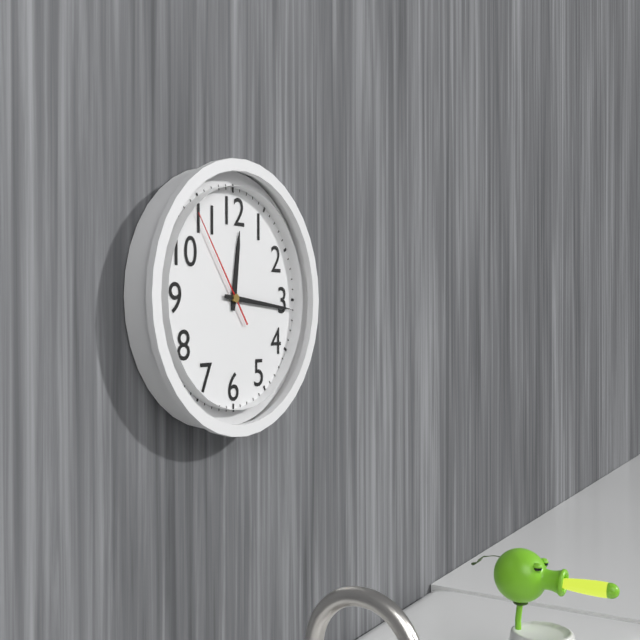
12:16:54
